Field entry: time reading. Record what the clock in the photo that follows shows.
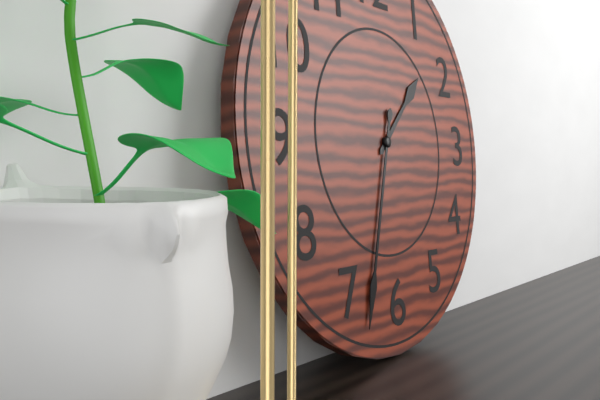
1:33
